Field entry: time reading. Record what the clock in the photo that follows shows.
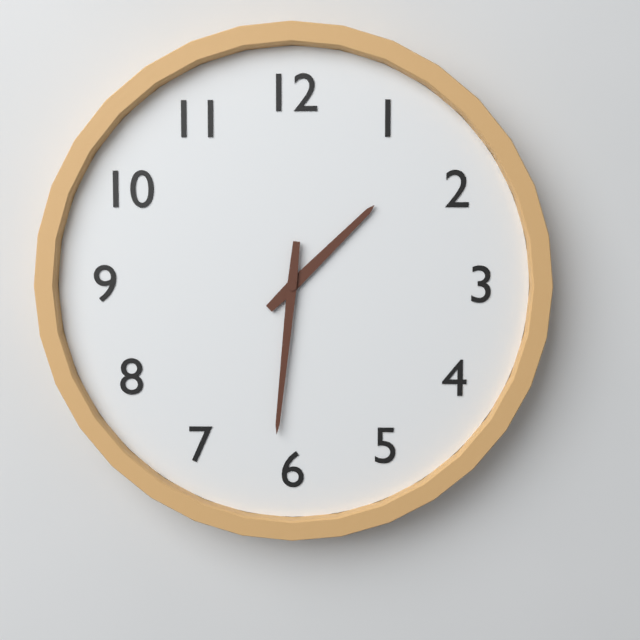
1:31
